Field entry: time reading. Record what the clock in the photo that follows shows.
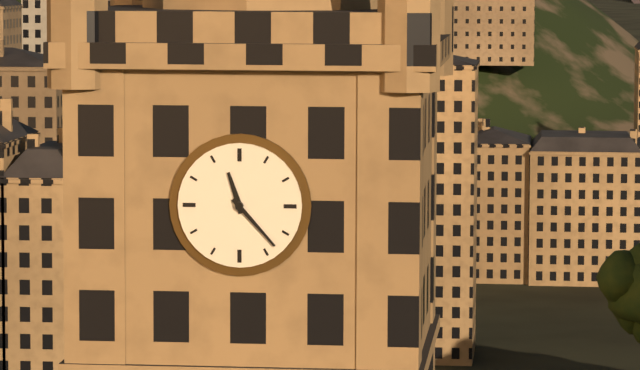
11:23
